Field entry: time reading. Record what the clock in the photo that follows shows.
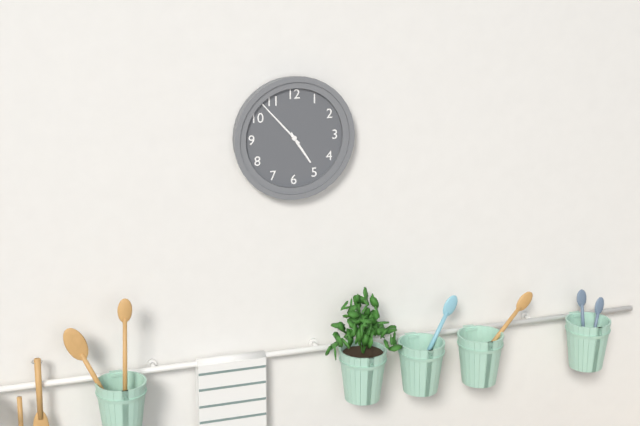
4:53
